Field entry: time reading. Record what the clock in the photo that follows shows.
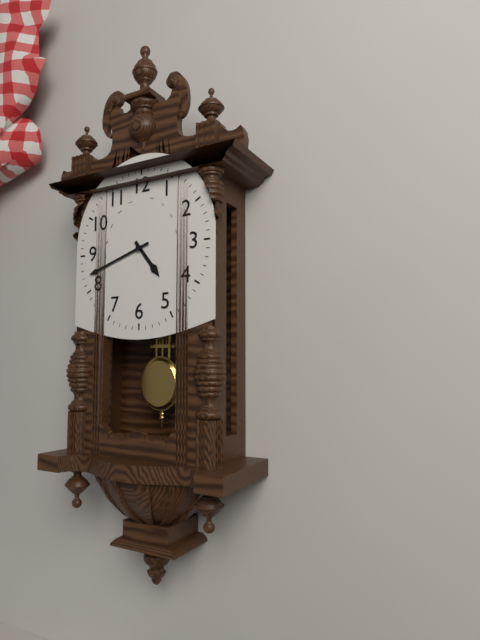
4:42
